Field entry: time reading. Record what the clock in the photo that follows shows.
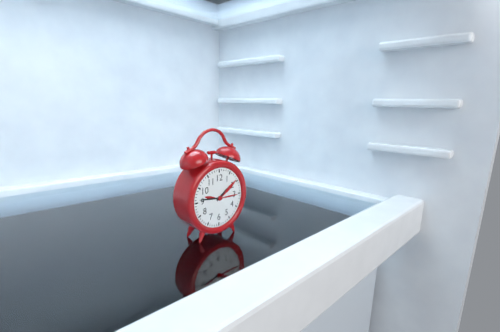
1:46
